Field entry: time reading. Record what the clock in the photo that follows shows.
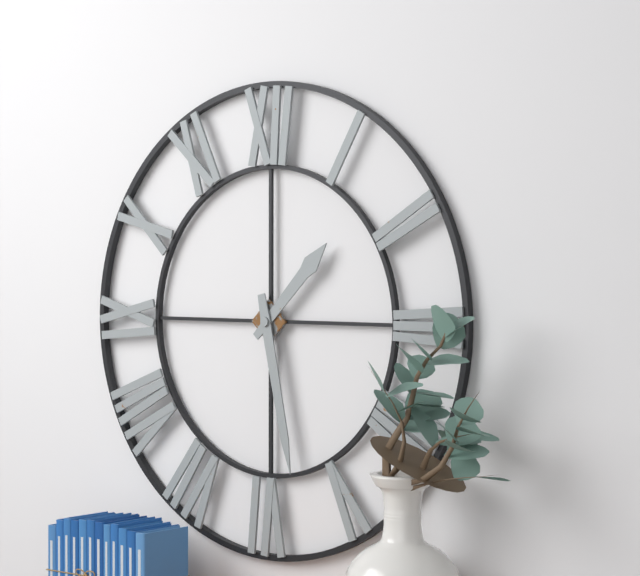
1:28
